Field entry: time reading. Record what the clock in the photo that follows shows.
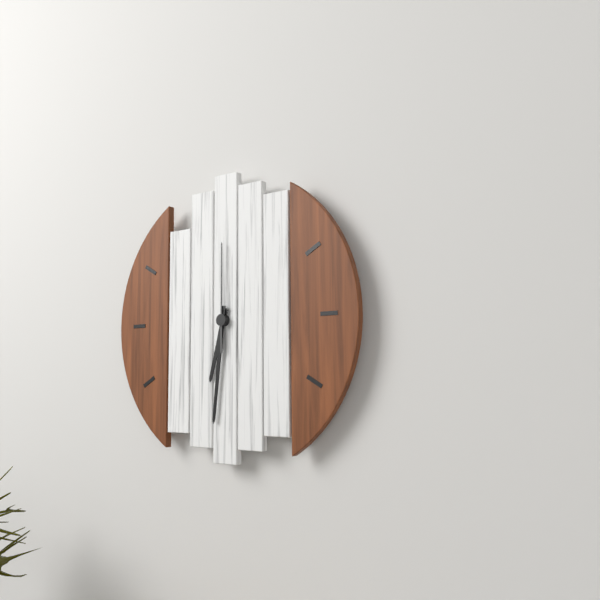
6:31:00
